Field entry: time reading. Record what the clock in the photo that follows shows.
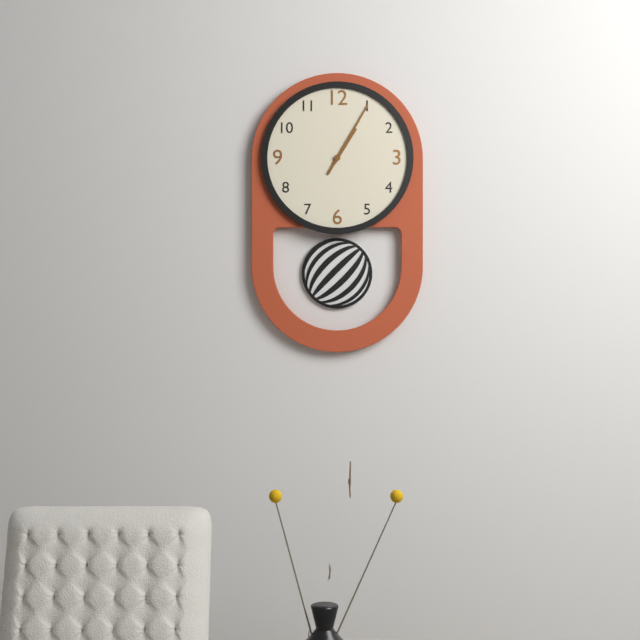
1:05
